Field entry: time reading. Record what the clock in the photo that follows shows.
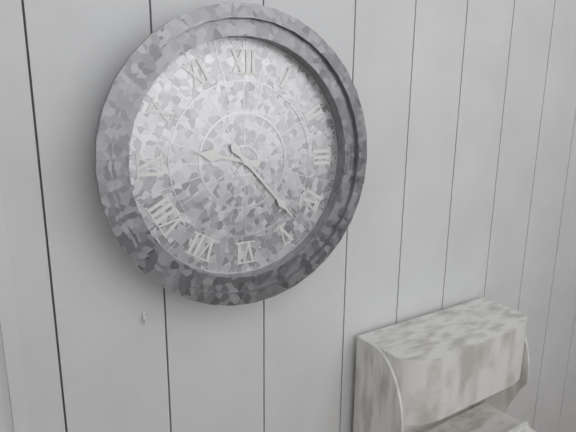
9:23
